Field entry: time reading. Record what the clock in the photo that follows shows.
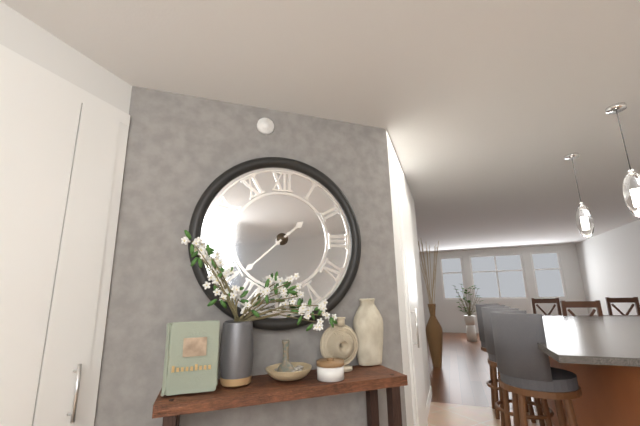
1:38
